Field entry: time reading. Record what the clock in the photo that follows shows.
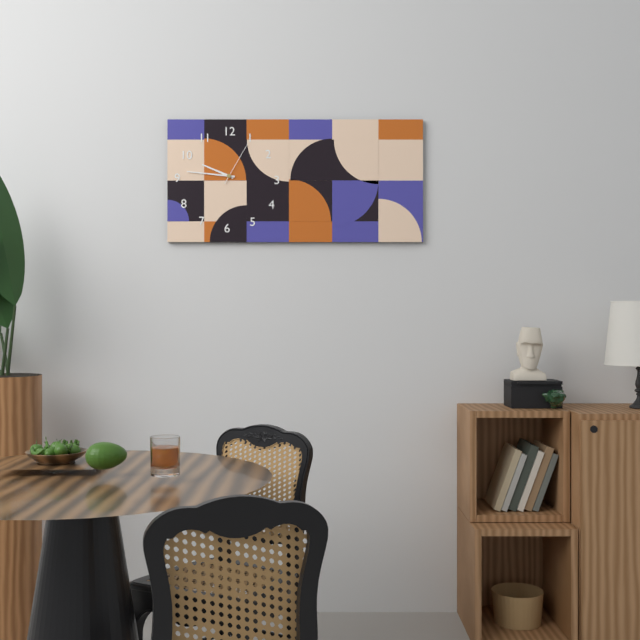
9:46
